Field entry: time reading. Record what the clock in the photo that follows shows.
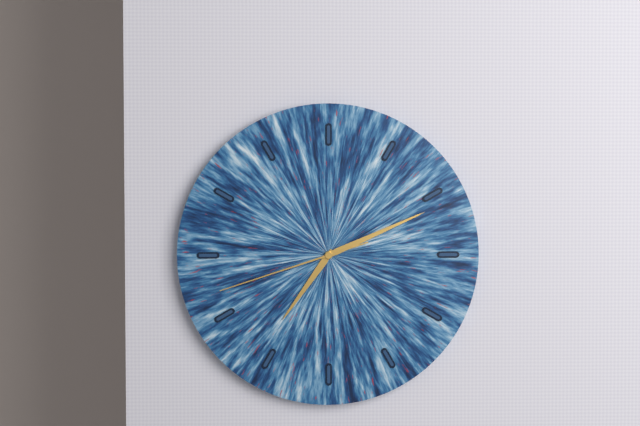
7:11:42
